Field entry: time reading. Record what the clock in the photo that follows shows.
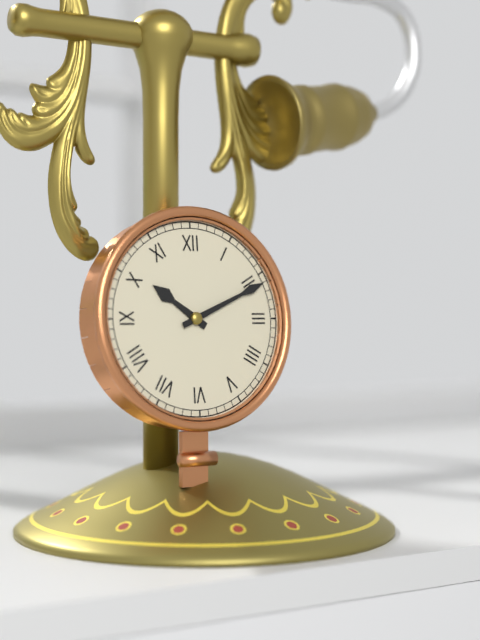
10:11
